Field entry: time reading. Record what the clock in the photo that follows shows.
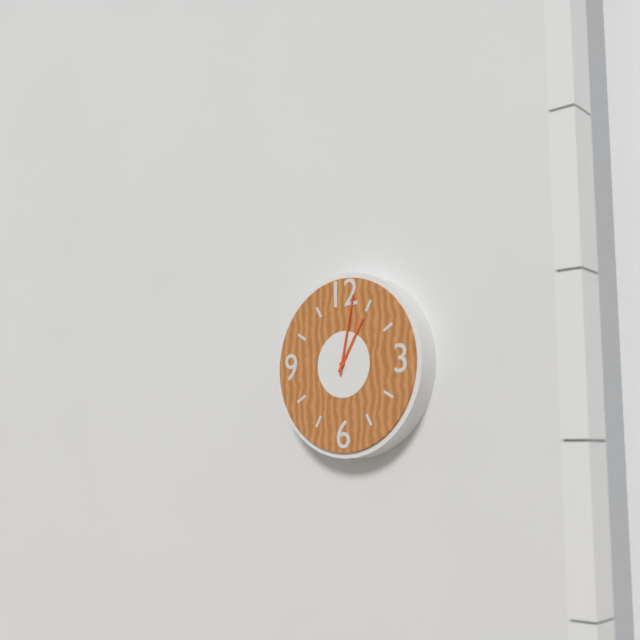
1:02
